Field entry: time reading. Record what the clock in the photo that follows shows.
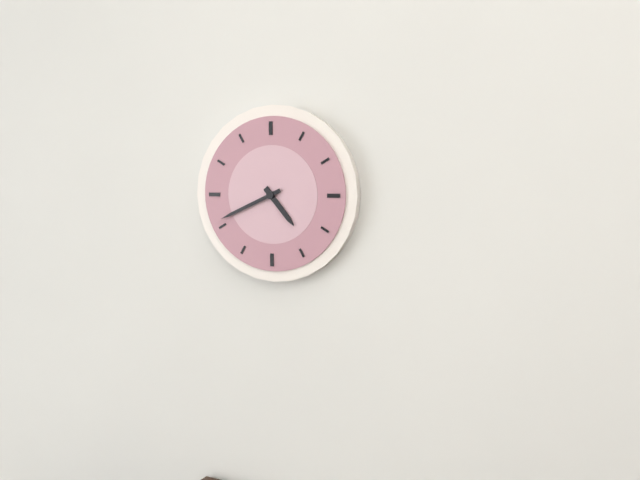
4:41
